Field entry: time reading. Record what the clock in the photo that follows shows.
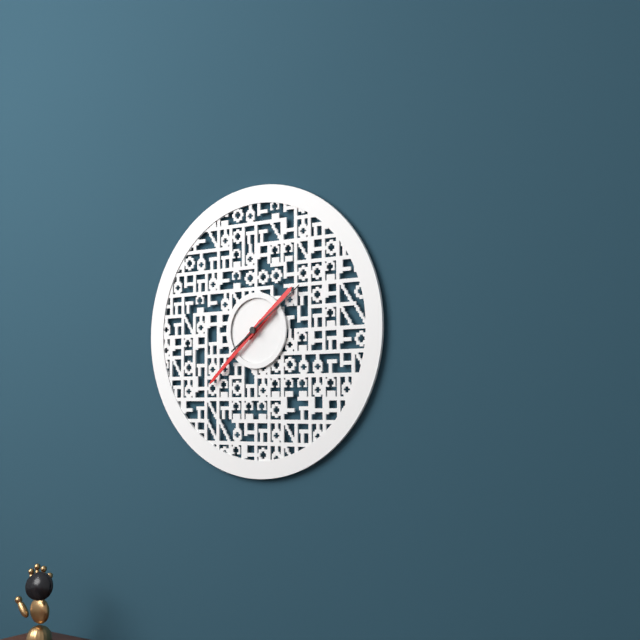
1:38:09
